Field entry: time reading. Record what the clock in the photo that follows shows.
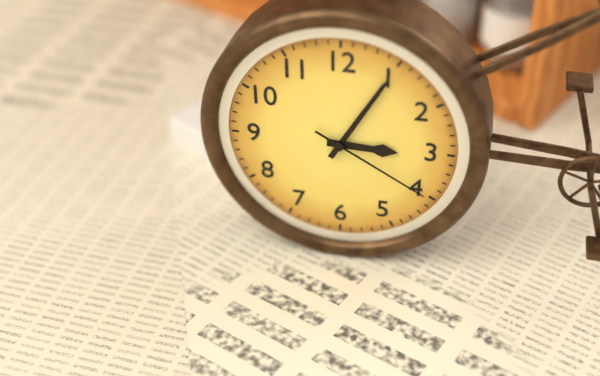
3:05:20
